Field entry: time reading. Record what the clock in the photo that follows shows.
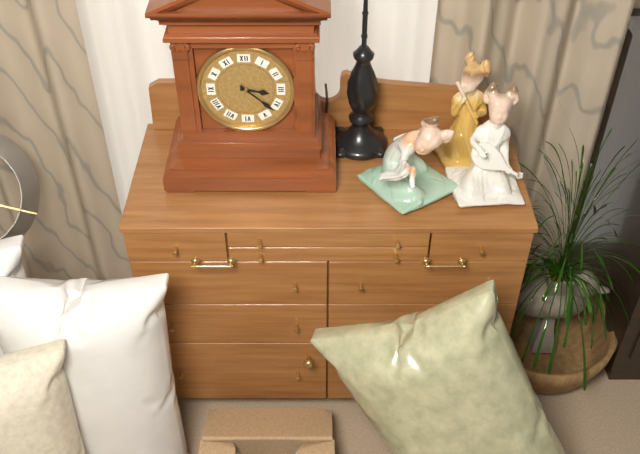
3:22
